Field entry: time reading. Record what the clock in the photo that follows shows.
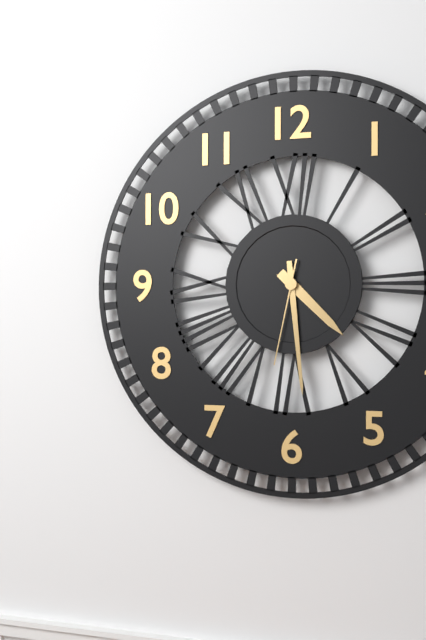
4:29:32
